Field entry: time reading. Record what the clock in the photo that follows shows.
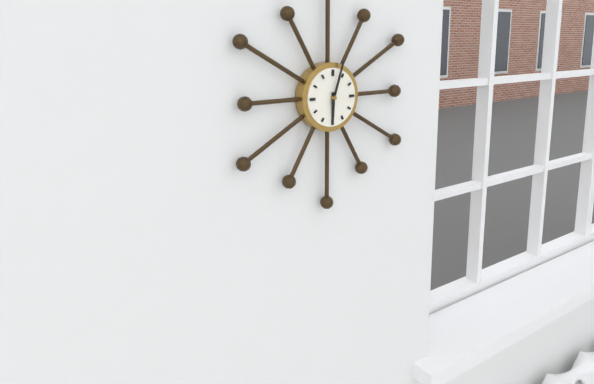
6:03
